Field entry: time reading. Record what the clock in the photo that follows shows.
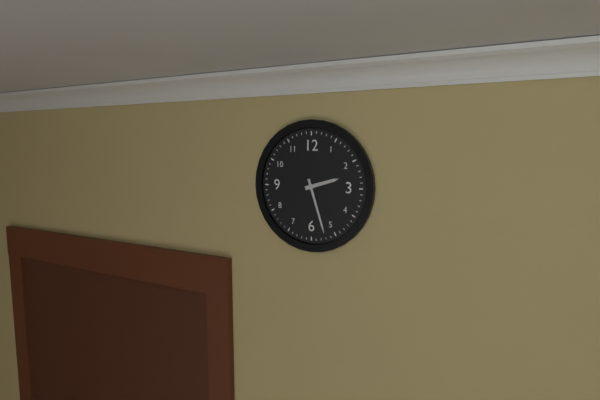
2:27
